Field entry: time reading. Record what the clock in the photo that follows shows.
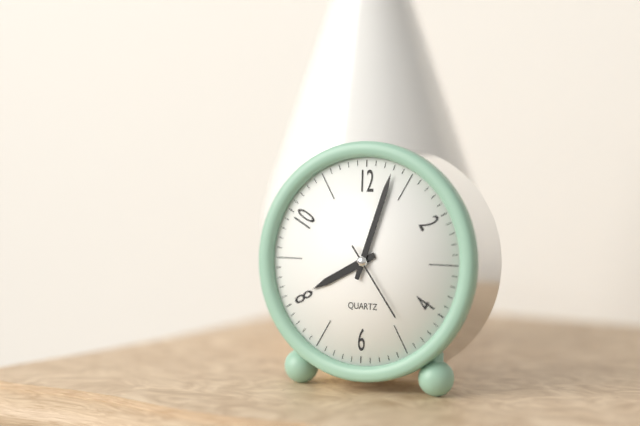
8:03:24
